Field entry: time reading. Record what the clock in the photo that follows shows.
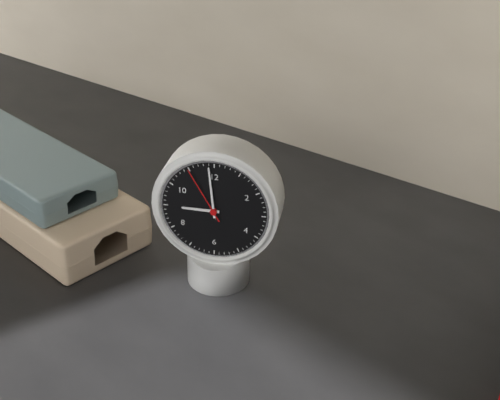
8:59:55
